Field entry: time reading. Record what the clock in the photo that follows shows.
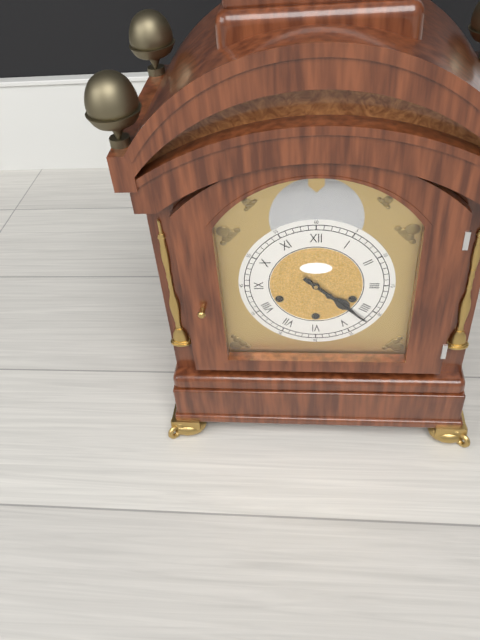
4:22
